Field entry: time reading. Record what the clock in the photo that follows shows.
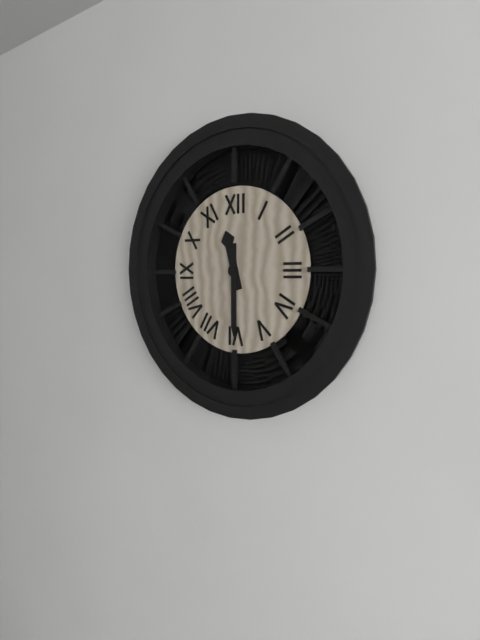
11:30
